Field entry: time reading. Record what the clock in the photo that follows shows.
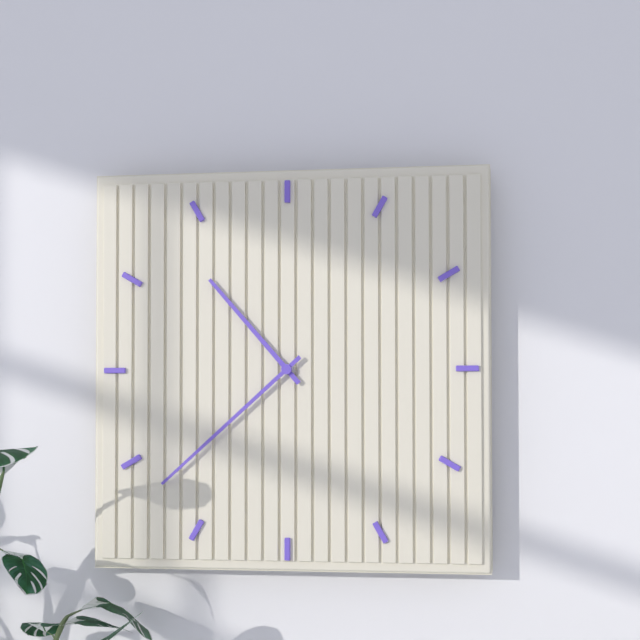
10:38
